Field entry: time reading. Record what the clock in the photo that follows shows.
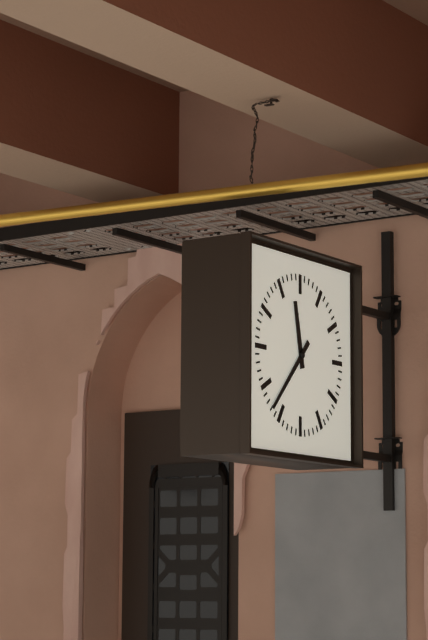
11:37
